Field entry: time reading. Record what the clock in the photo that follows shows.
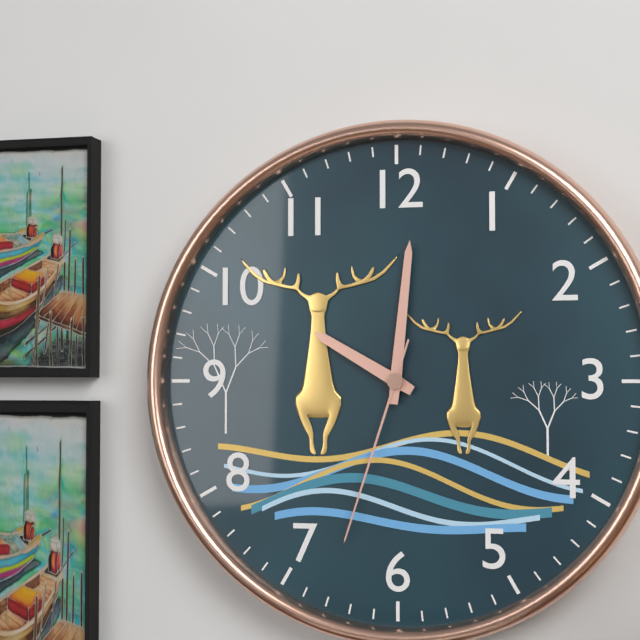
10:01:33
